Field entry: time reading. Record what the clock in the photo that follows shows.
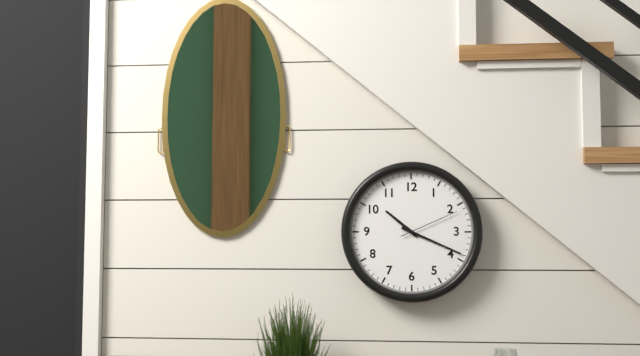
10:19:11
